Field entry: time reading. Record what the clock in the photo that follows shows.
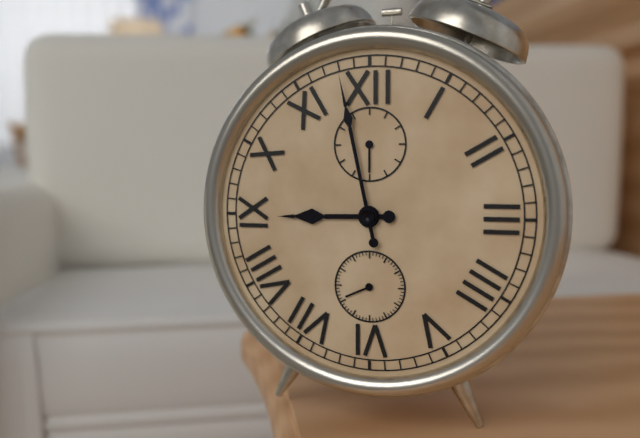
8:58
